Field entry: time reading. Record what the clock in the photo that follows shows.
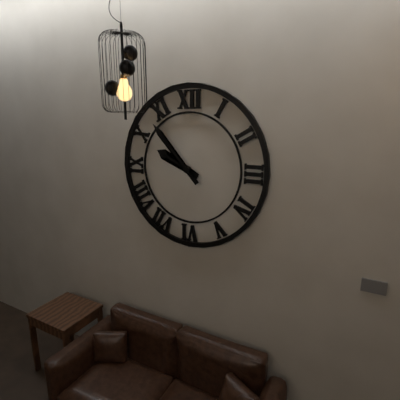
9:53
